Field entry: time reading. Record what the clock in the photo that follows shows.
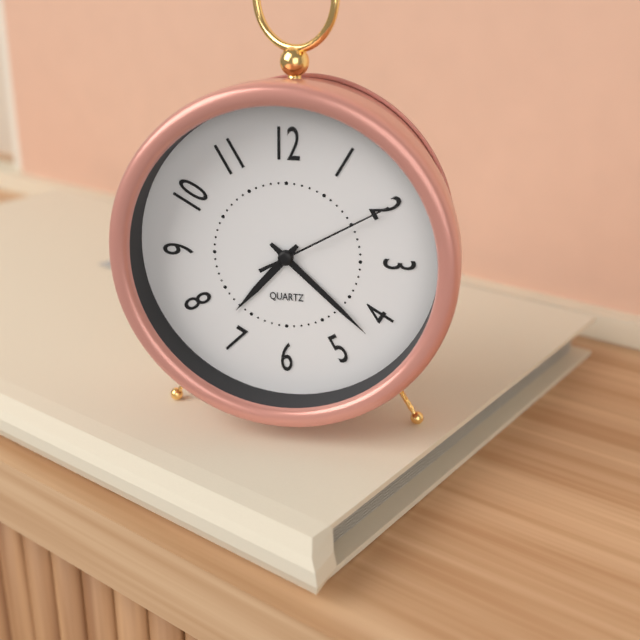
7:22:10
